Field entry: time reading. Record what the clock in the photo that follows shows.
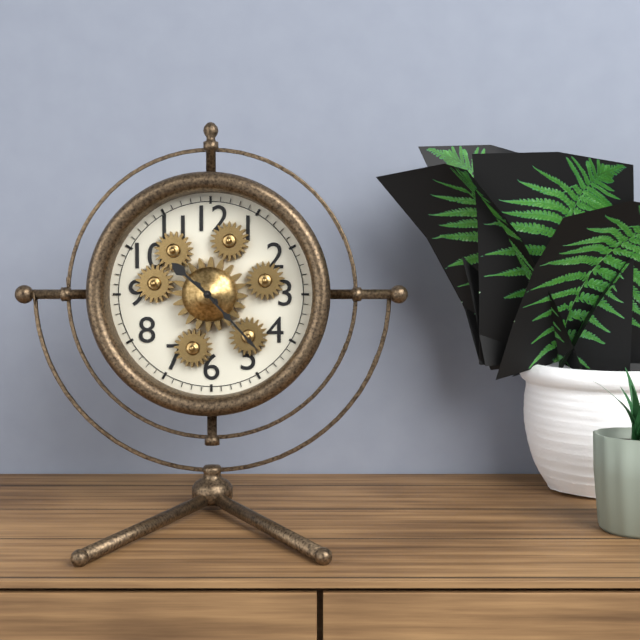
10:23
